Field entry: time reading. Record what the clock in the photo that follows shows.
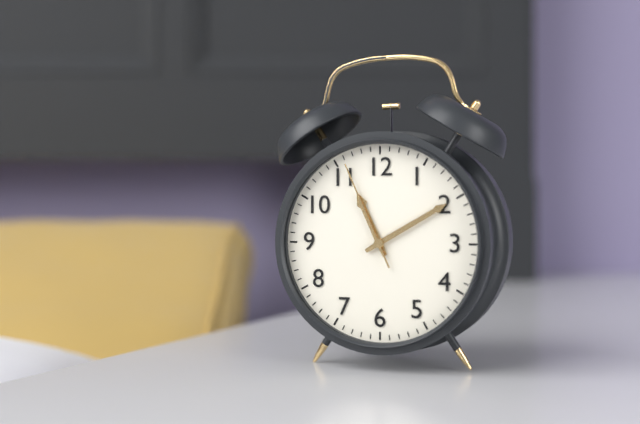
11:10:56
